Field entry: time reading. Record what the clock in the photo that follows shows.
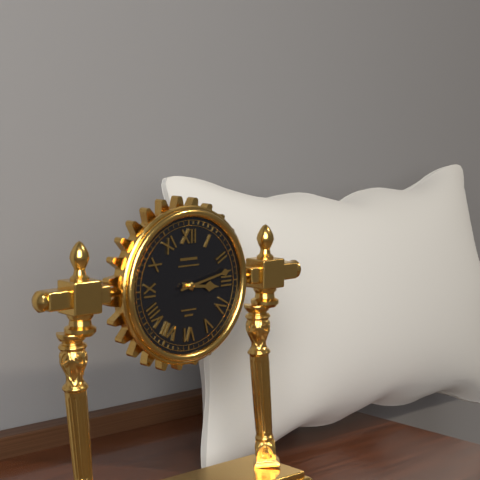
3:13
